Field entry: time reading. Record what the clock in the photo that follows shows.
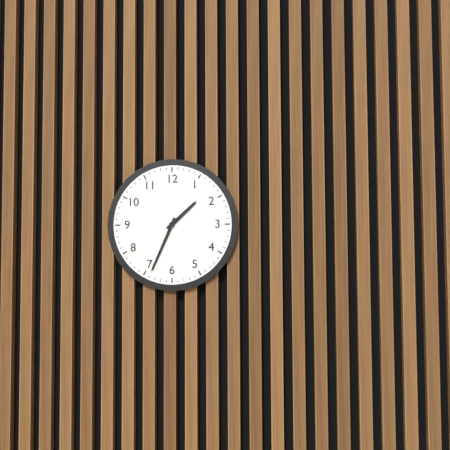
1:34
